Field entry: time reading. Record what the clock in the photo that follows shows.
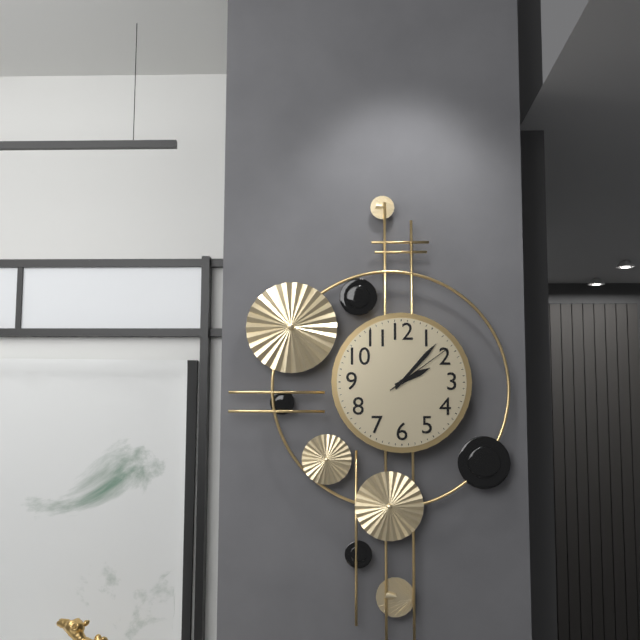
2:07:09
